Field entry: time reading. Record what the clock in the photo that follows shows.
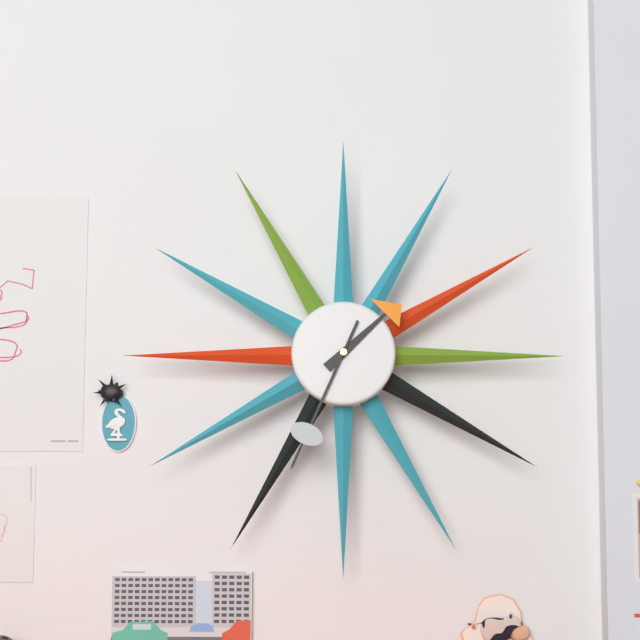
1:34
